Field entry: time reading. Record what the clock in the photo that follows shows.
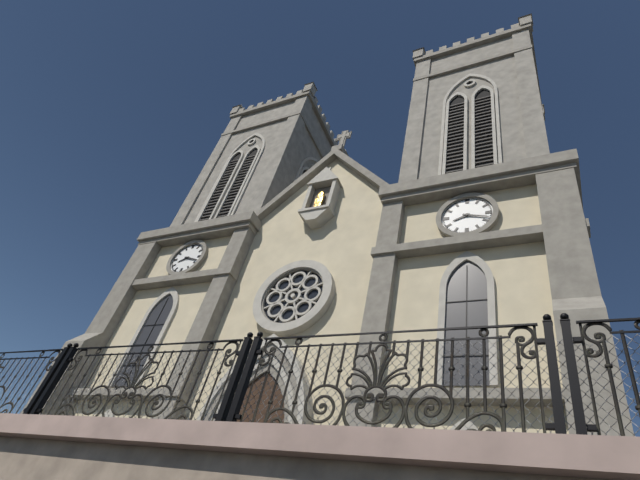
8:18
